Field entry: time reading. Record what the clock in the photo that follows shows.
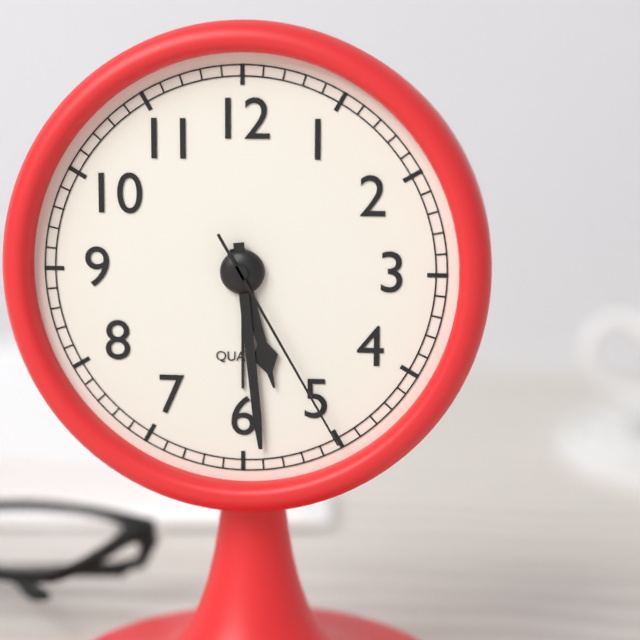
5:29:25
